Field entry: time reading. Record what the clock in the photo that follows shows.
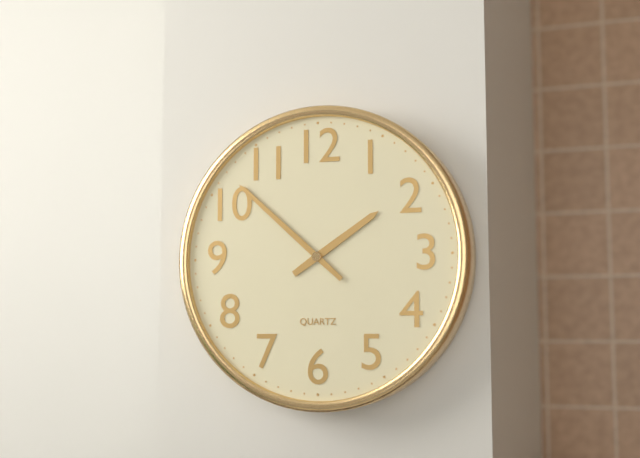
1:52
